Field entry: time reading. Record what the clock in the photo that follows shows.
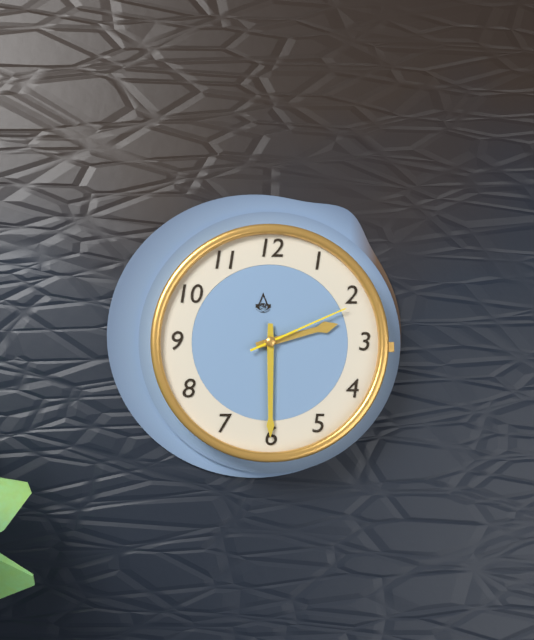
2:30:11
